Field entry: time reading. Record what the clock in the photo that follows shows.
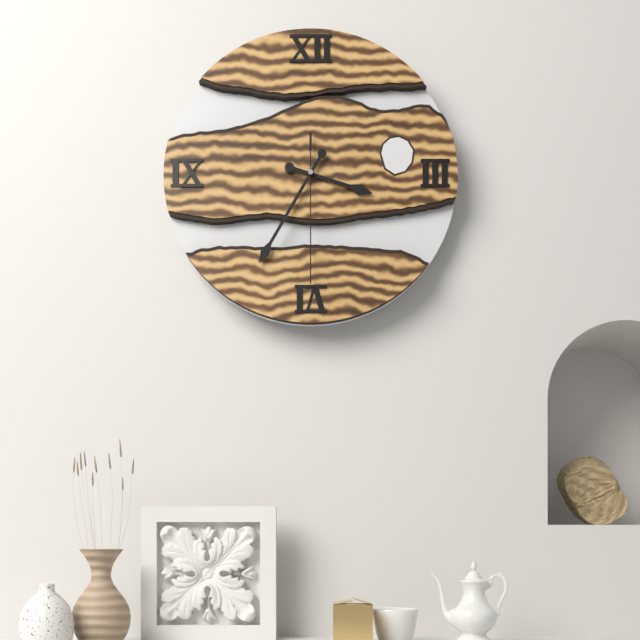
3:35:30
